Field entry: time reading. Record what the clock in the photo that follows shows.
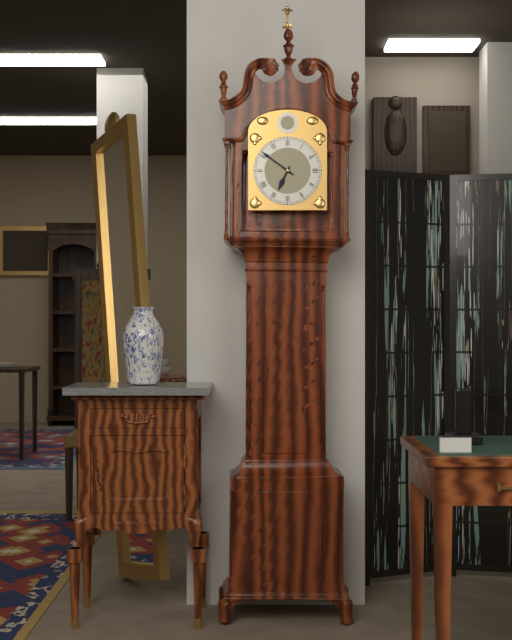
6:51
